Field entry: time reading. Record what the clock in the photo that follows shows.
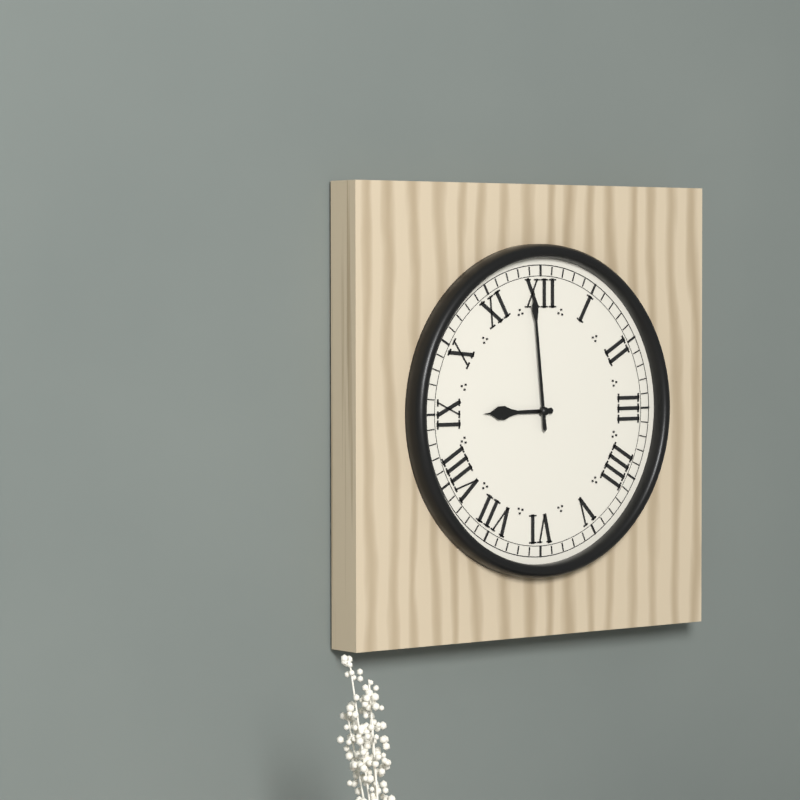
8:59
